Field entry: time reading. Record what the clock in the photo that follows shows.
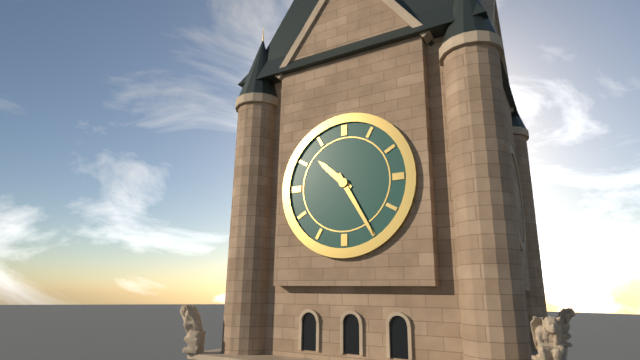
10:25
